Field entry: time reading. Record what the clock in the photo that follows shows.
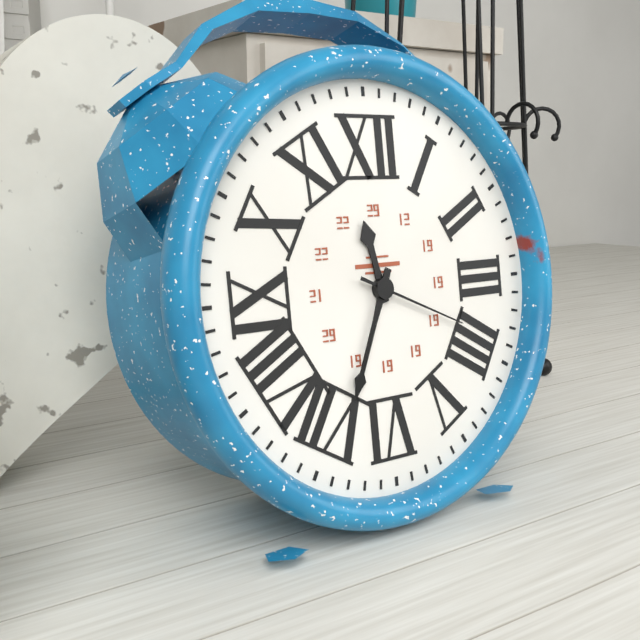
11:34:19
